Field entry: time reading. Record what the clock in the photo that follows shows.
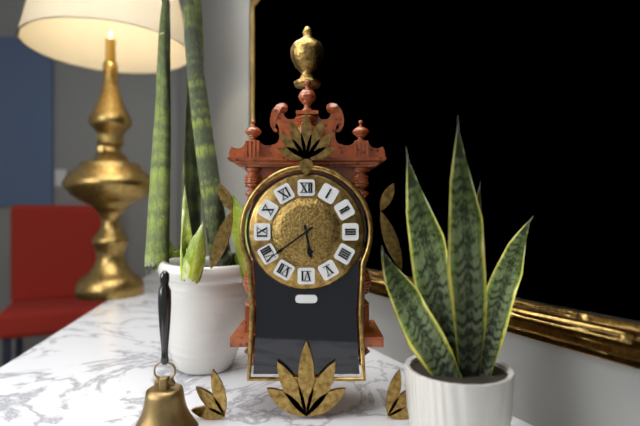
5:39
